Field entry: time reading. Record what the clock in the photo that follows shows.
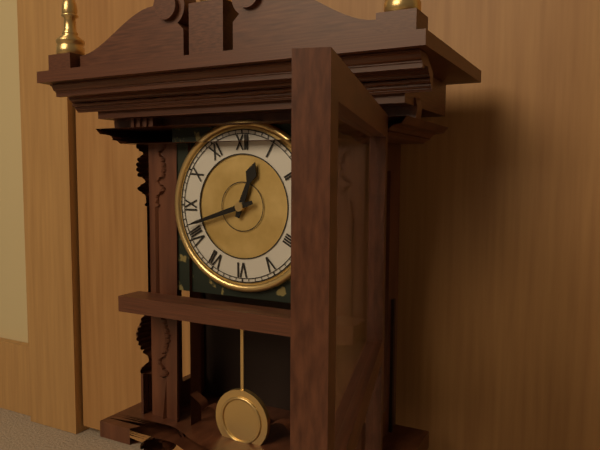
12:42
